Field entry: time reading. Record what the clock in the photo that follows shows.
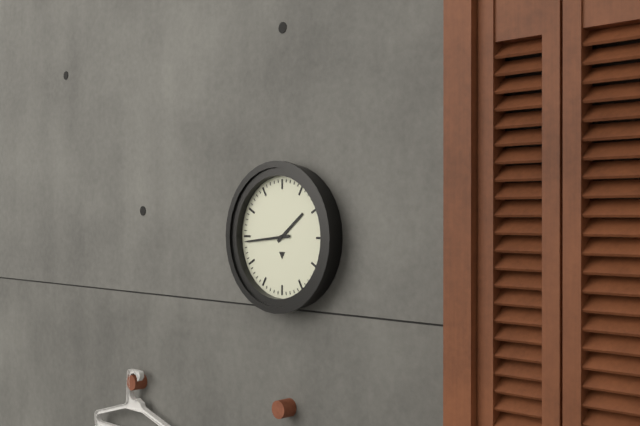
1:44
